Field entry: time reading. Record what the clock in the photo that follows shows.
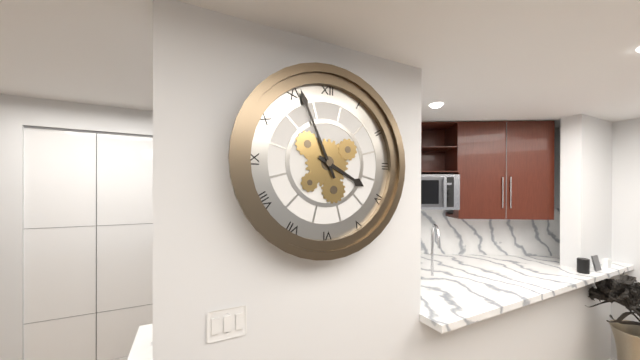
3:56
